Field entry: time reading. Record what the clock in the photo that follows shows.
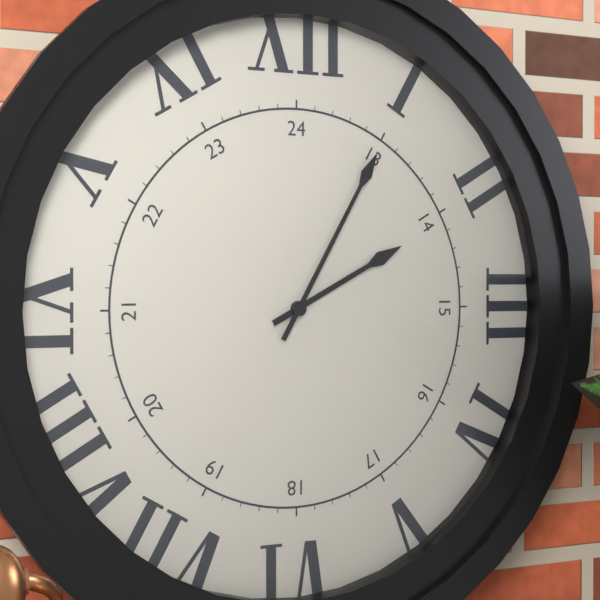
2:05
